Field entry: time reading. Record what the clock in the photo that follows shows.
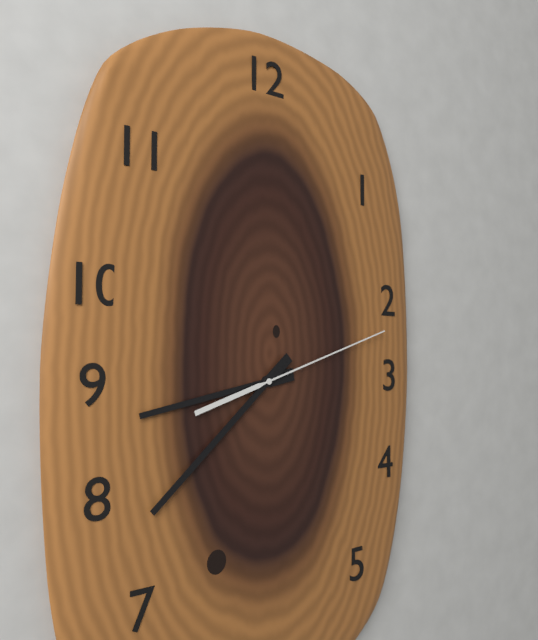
8:38:12
